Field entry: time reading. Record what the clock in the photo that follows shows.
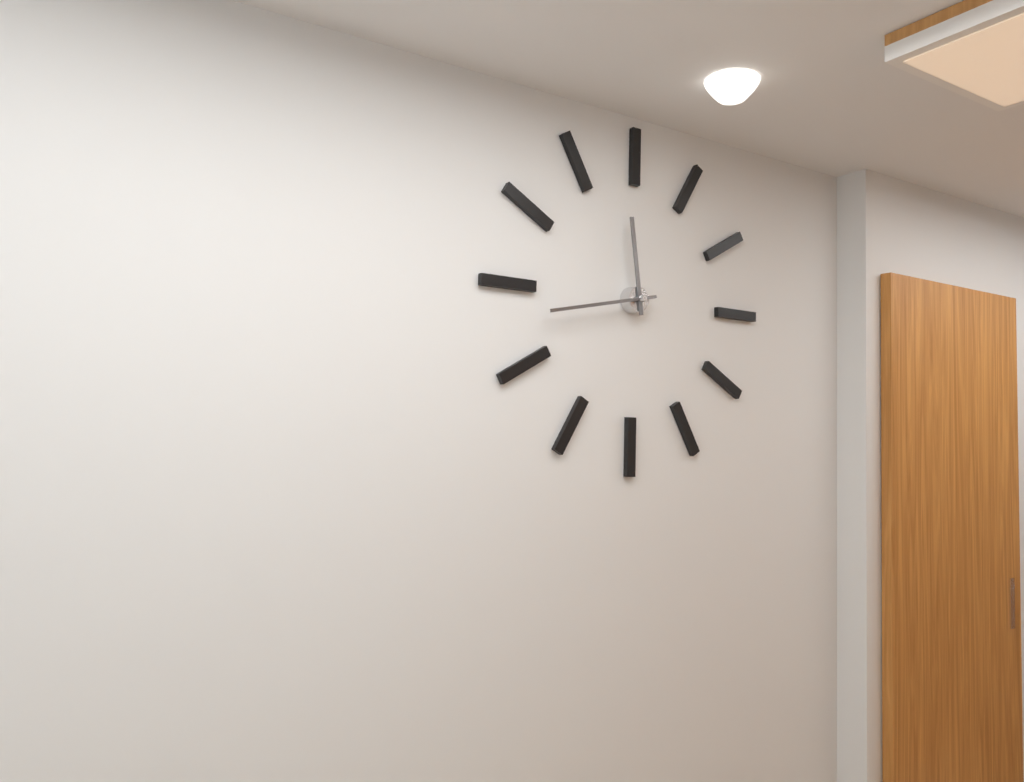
11:43
